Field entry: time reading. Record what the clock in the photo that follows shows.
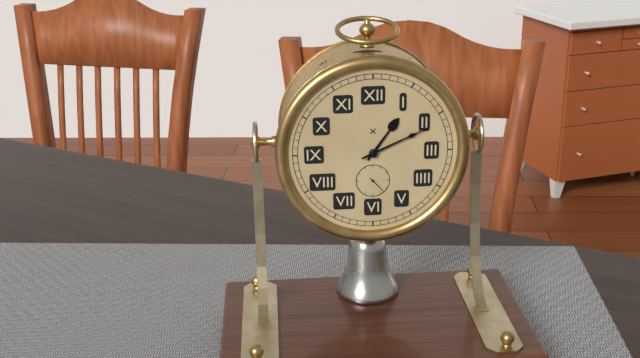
1:11
